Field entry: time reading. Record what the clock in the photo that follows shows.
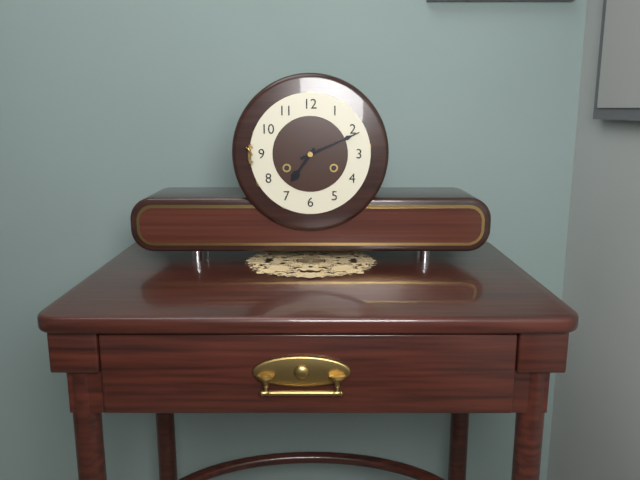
7:11
